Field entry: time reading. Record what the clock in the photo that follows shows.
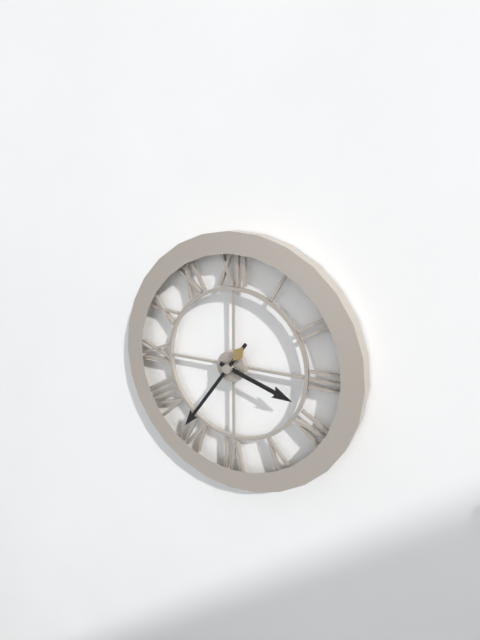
3:36
